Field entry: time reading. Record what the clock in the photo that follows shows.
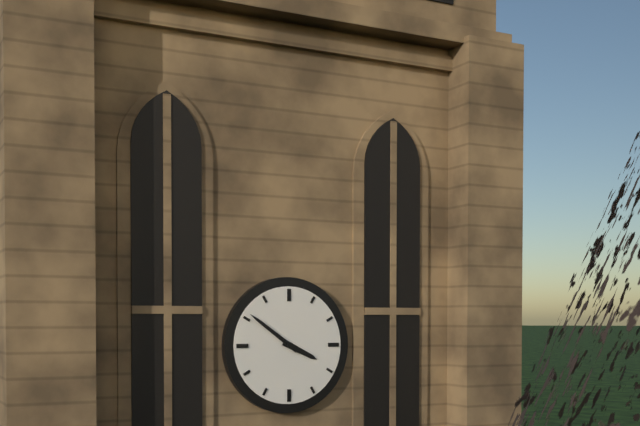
3:51
